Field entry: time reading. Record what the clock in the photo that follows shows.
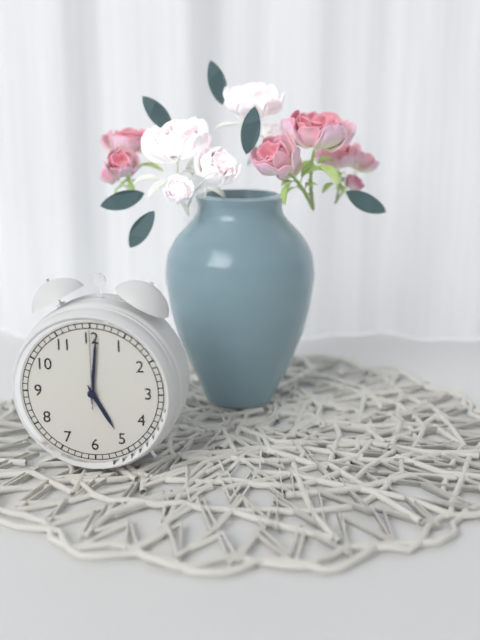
5:01:00
